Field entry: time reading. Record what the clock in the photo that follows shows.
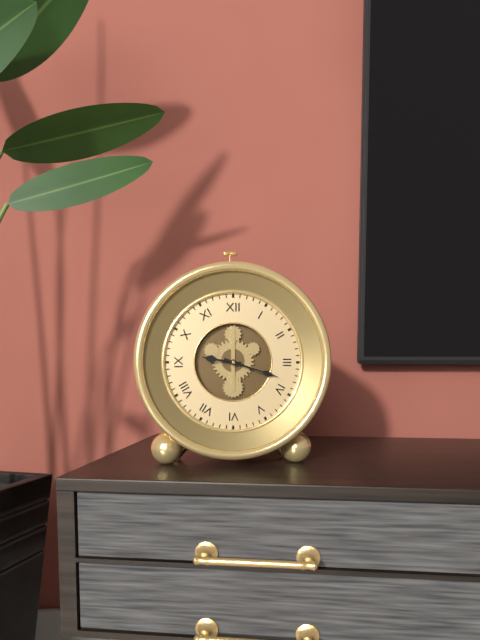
9:18
